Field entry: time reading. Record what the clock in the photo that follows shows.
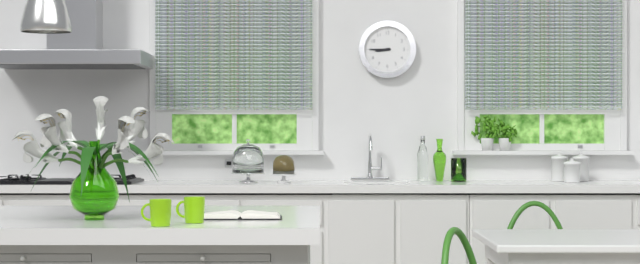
8:45
